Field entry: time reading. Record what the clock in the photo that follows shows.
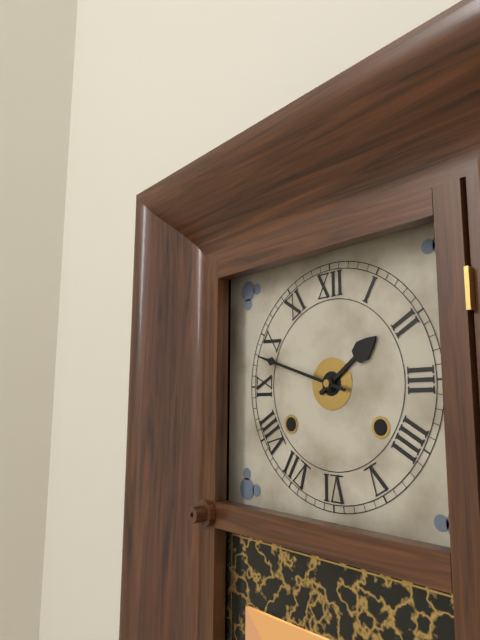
1:48
